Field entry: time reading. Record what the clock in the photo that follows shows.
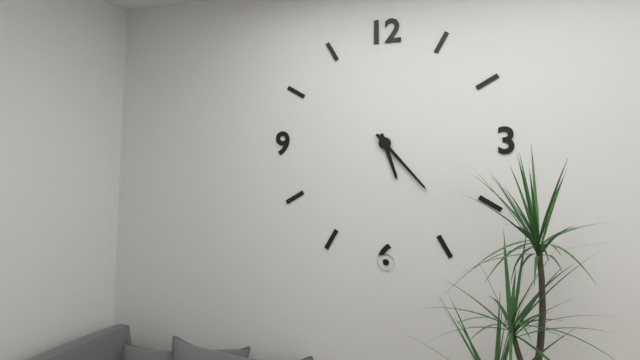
5:23
